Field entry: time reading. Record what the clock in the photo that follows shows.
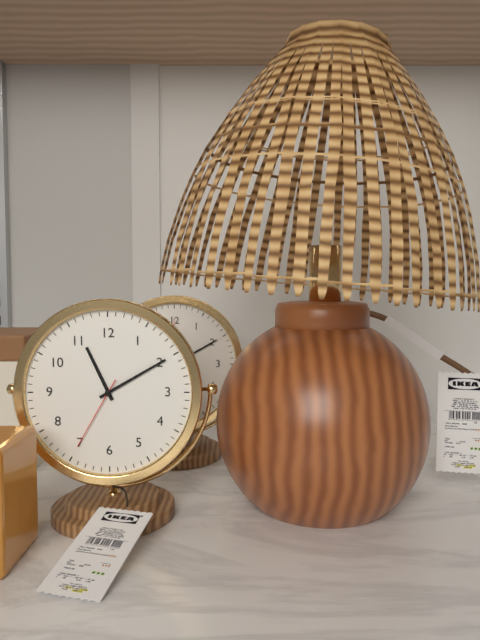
11:10:35
